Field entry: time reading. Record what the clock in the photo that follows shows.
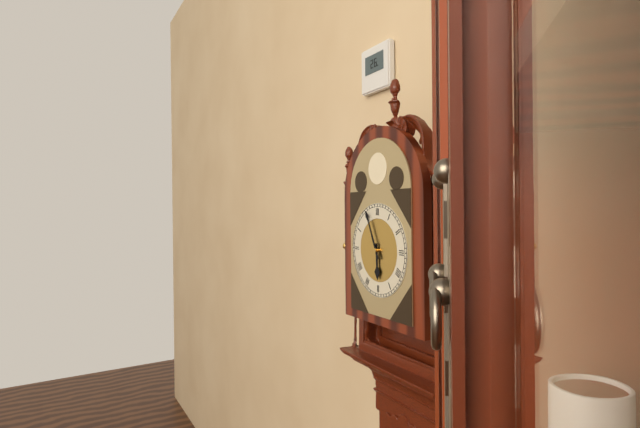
5:56
